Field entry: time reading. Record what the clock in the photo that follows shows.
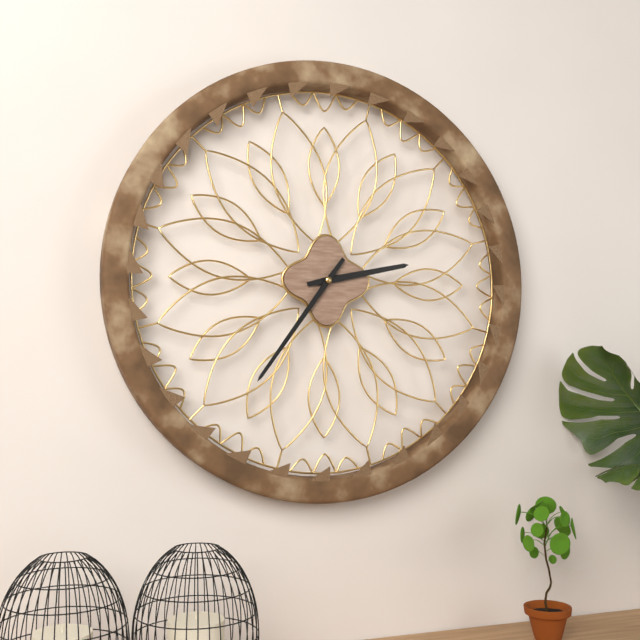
2:36
